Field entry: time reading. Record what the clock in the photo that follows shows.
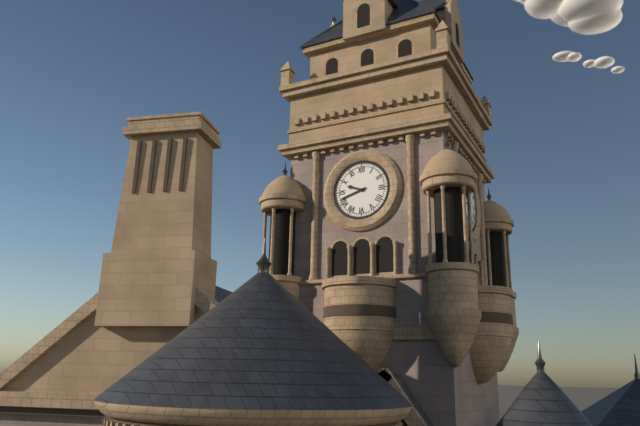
9:42
